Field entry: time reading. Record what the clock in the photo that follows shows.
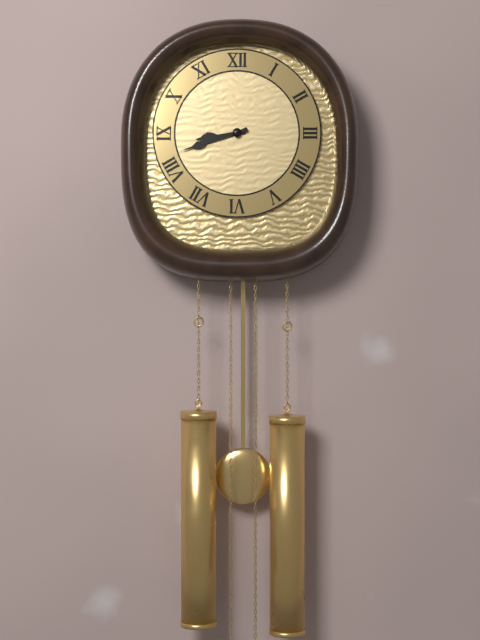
8:42
